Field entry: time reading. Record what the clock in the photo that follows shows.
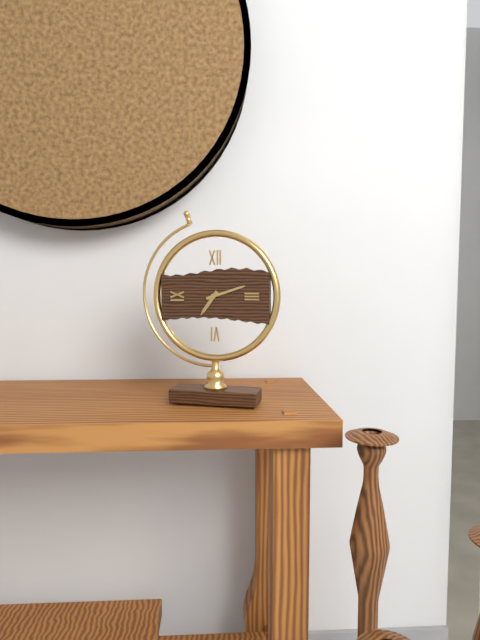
7:12
